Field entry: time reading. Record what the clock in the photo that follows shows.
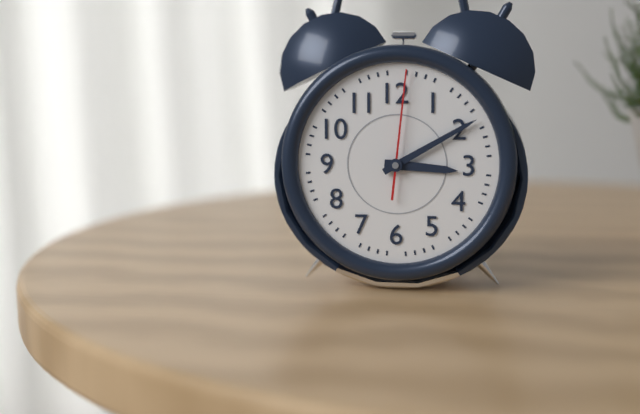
3:10:01
